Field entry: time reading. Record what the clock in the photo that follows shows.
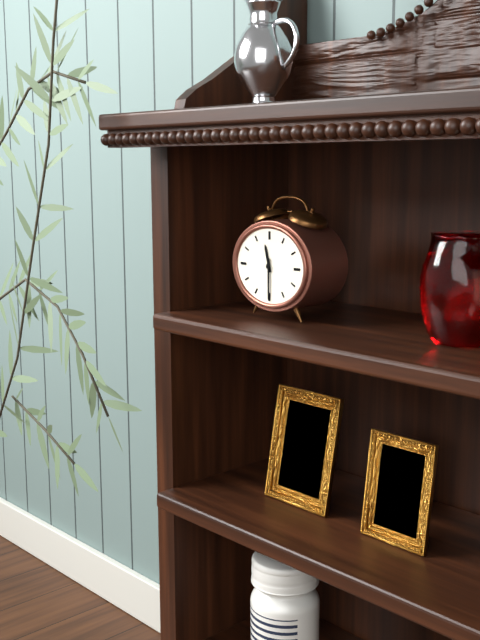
11:30
